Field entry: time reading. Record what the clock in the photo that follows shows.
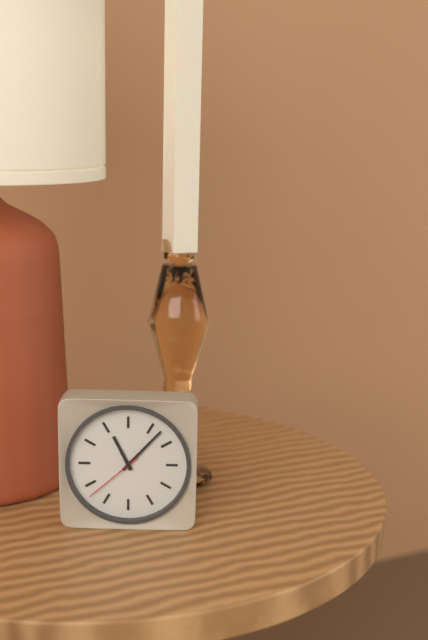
11:07:38
